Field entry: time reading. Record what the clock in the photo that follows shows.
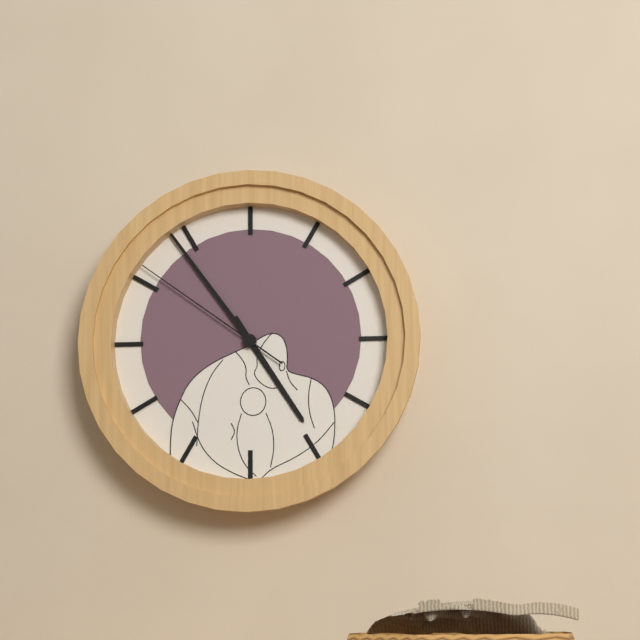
4:54:51
